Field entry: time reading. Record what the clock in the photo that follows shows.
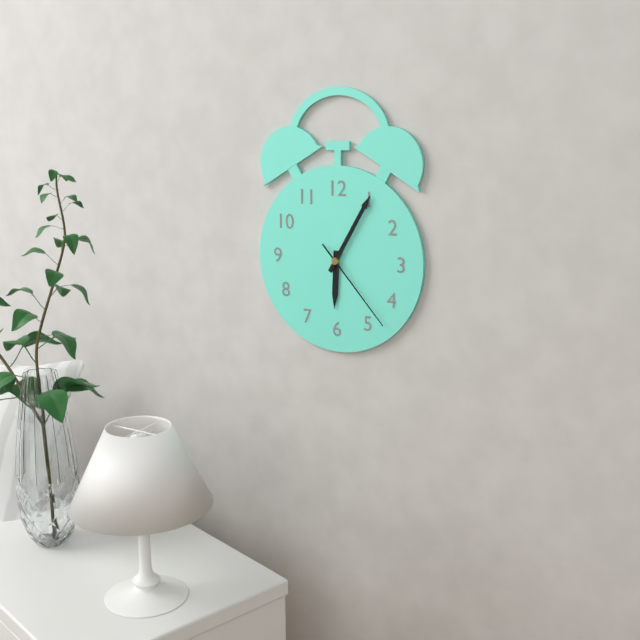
6:05:23
